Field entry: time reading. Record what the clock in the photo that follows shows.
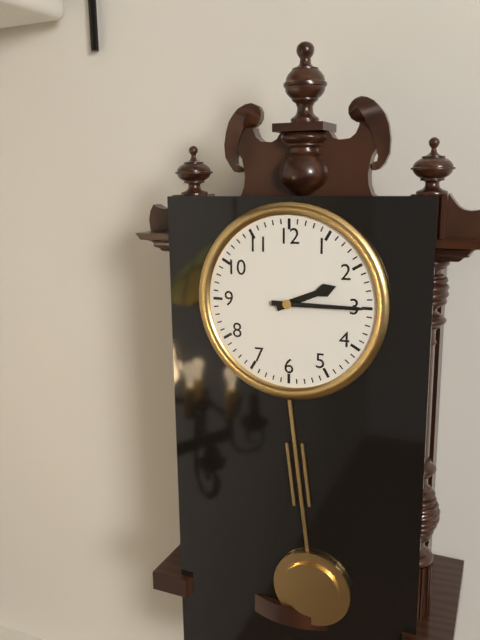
2:15
